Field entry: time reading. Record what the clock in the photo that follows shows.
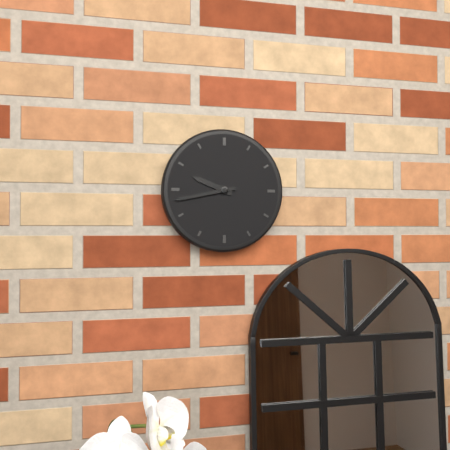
9:43
